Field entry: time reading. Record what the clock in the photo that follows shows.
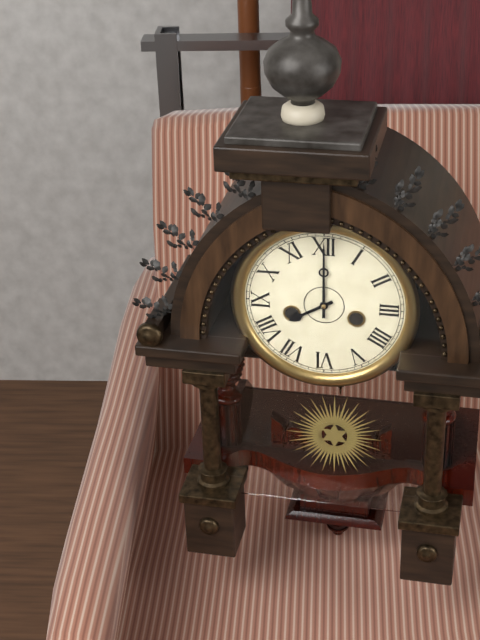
8:00
